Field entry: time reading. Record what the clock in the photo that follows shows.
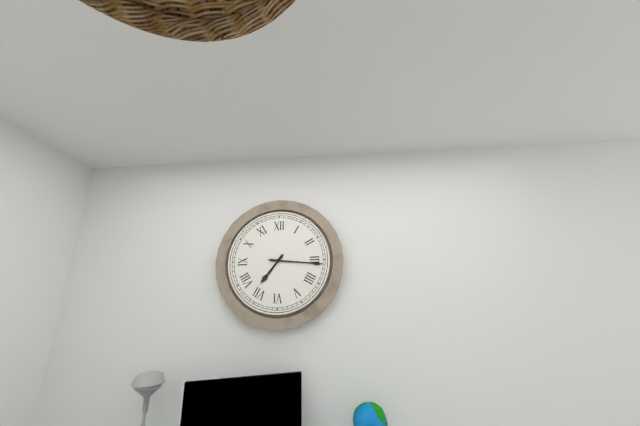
7:16
